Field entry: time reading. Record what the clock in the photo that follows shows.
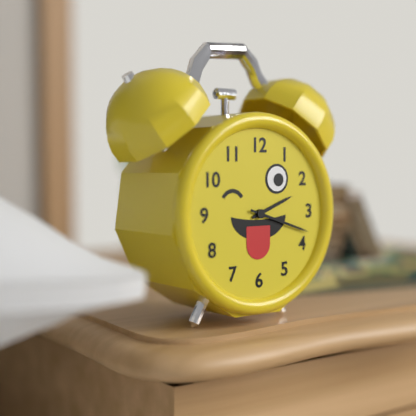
2:18
